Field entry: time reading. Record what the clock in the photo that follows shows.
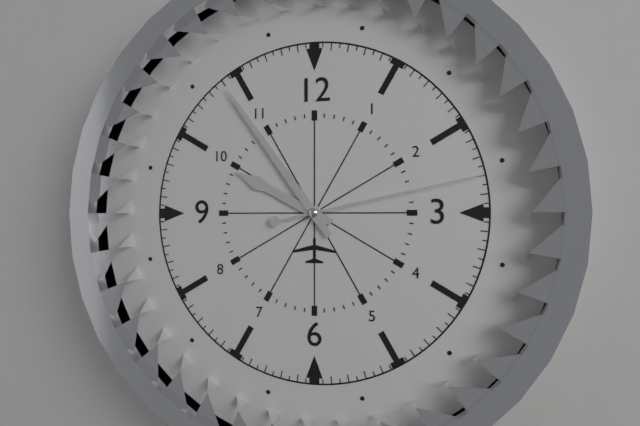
9:54:13
